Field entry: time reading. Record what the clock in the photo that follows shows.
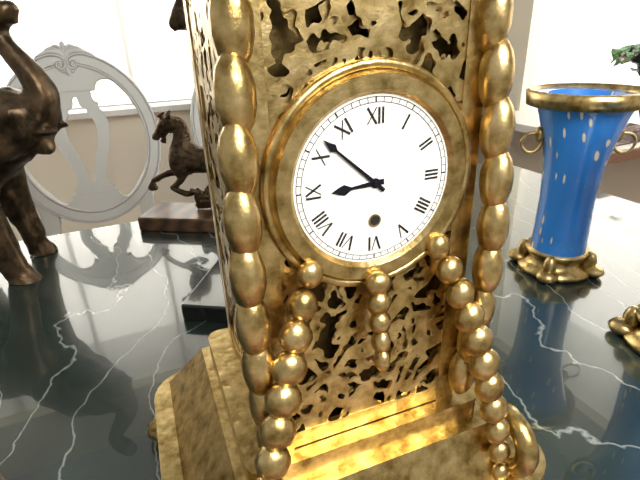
8:52
